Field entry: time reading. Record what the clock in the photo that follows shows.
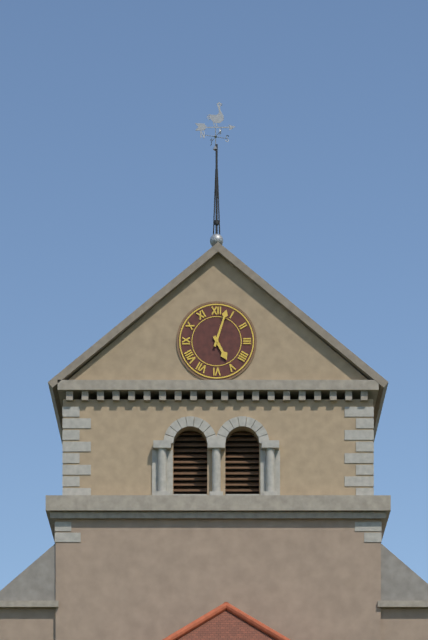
5:03
